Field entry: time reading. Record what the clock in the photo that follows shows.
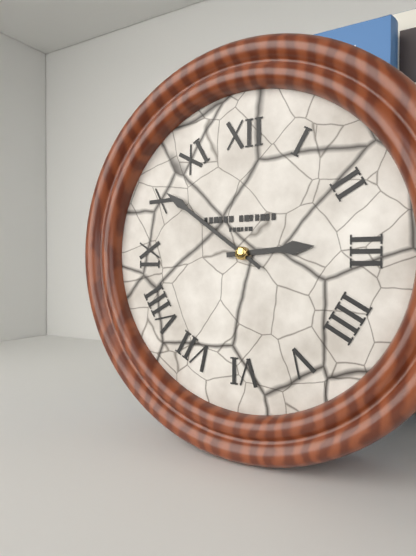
2:51
